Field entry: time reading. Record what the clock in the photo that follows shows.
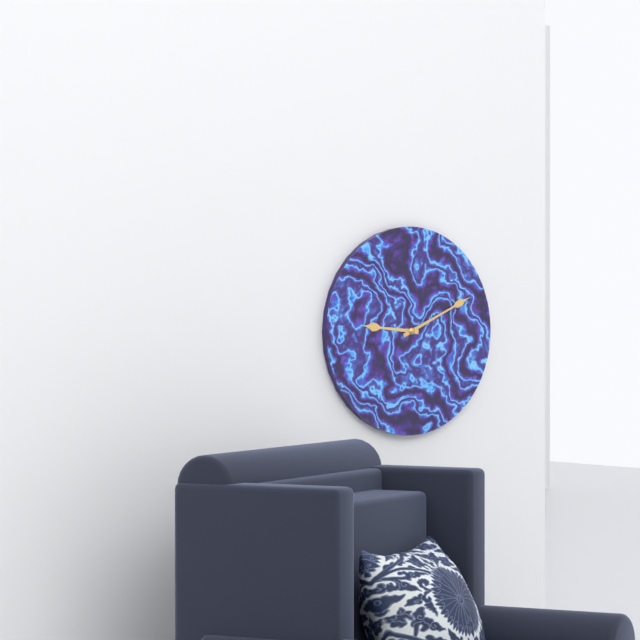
9:11
